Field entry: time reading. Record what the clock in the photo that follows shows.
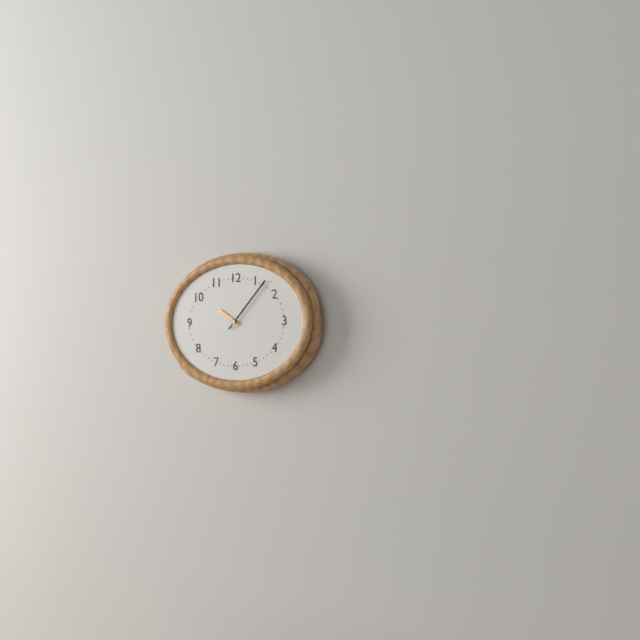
10:07
